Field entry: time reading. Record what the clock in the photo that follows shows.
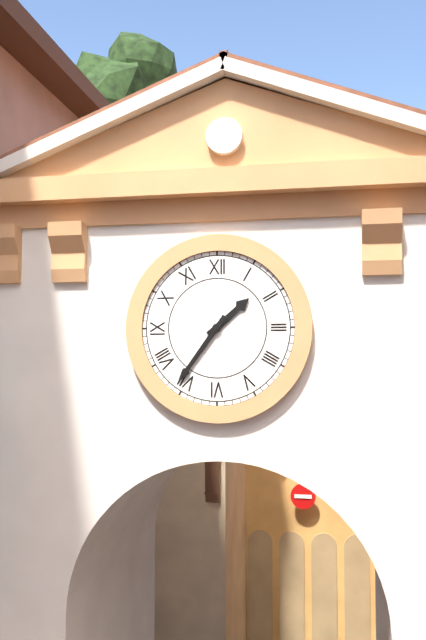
1:36
